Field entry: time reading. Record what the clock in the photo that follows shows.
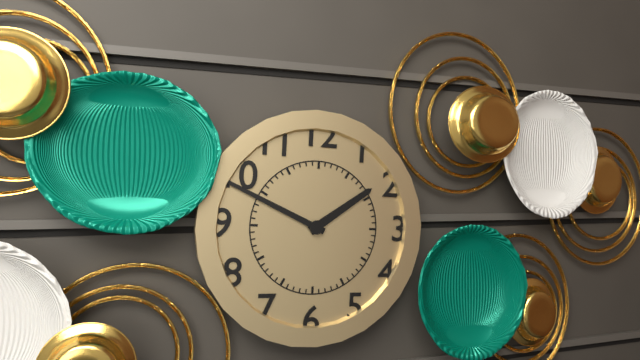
1:49
